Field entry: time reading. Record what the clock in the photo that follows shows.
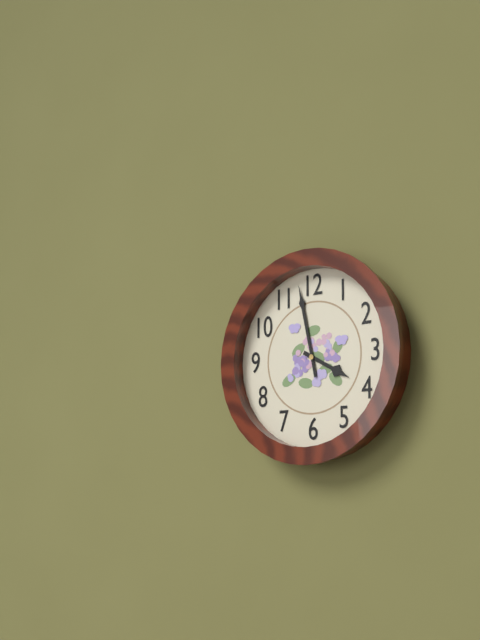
3:58
